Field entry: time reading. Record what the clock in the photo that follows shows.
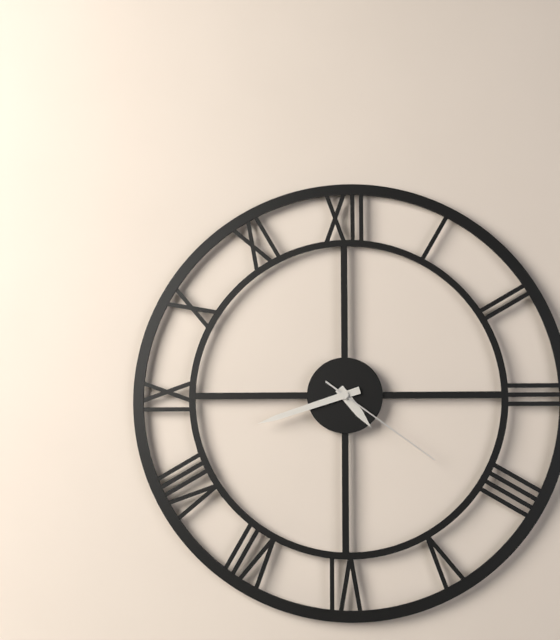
4:42:21
